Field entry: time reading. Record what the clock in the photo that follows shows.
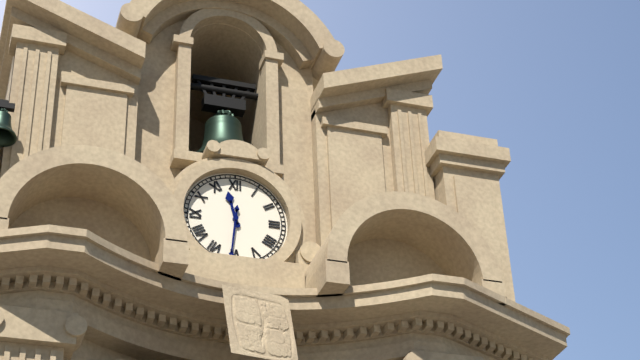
11:31
